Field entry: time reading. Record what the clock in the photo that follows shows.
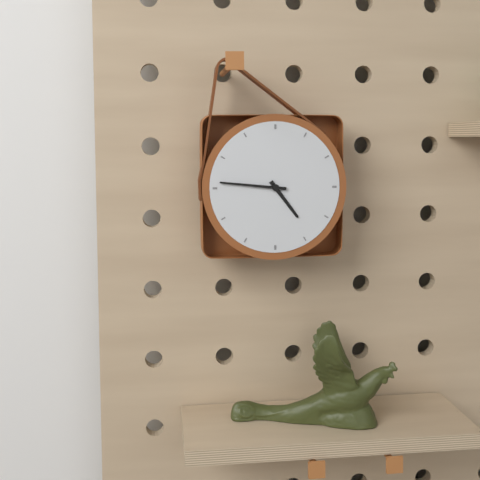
4:46
